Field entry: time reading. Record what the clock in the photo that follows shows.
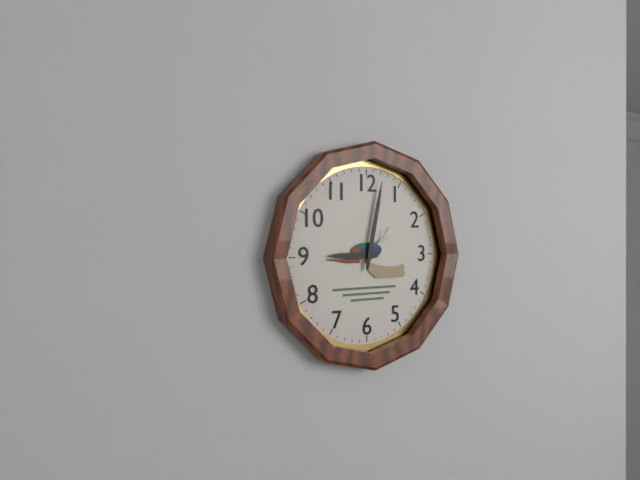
9:02
